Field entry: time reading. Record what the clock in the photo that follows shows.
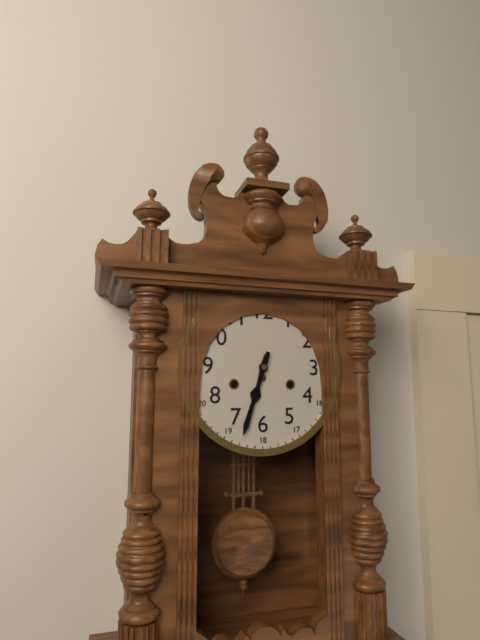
6:33
